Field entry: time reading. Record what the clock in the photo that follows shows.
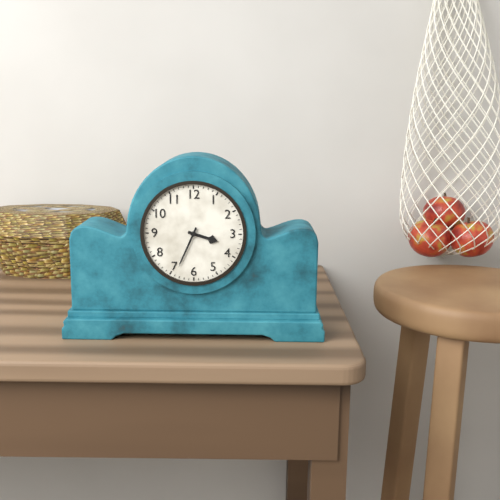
3:34
